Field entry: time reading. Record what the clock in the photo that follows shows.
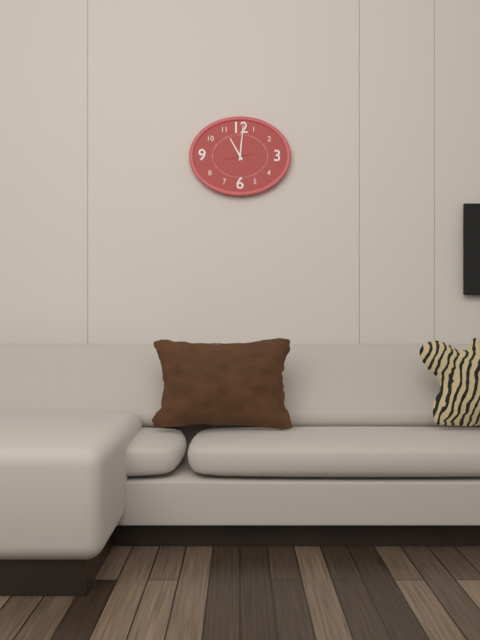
11:01
